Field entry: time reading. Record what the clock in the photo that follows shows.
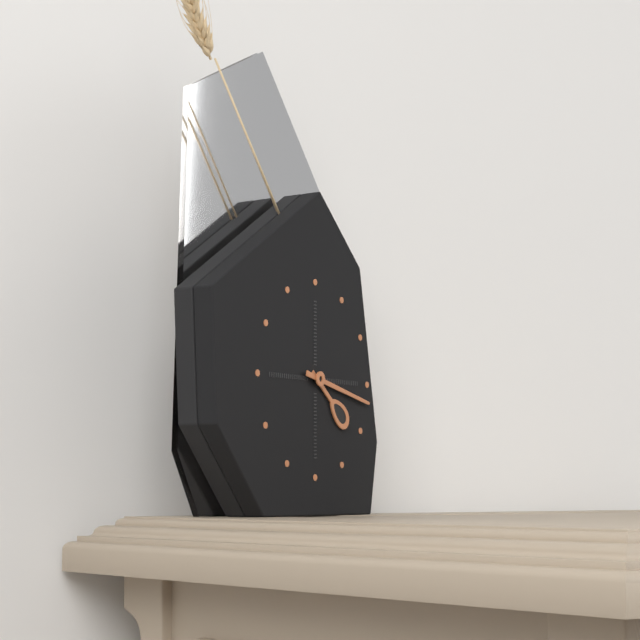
4:17
